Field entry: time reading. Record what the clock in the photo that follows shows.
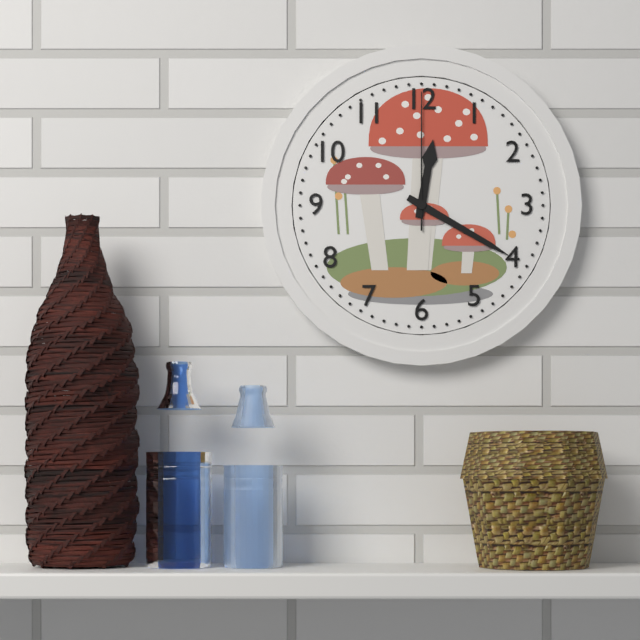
12:20:00
